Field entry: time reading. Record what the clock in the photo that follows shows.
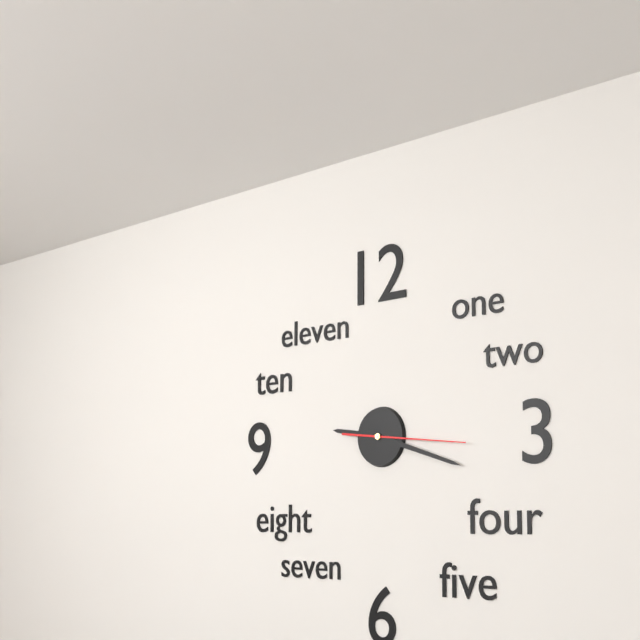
9:18:16
